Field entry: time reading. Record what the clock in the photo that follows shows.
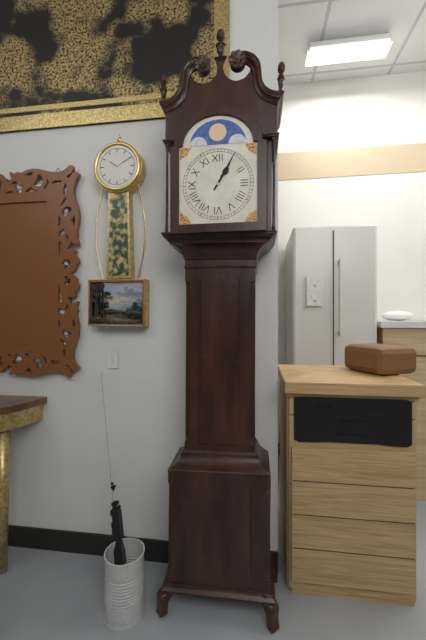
1:05
